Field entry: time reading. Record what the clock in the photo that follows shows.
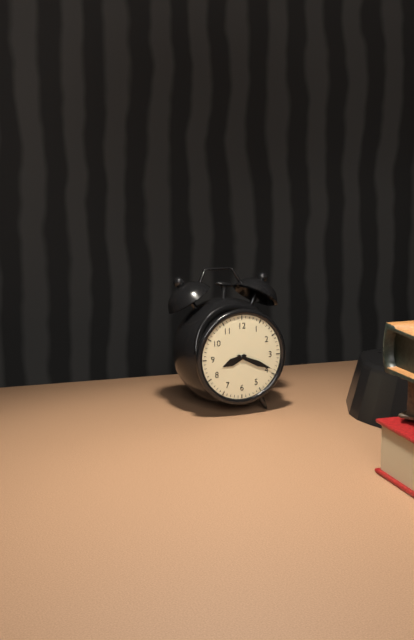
8:19
